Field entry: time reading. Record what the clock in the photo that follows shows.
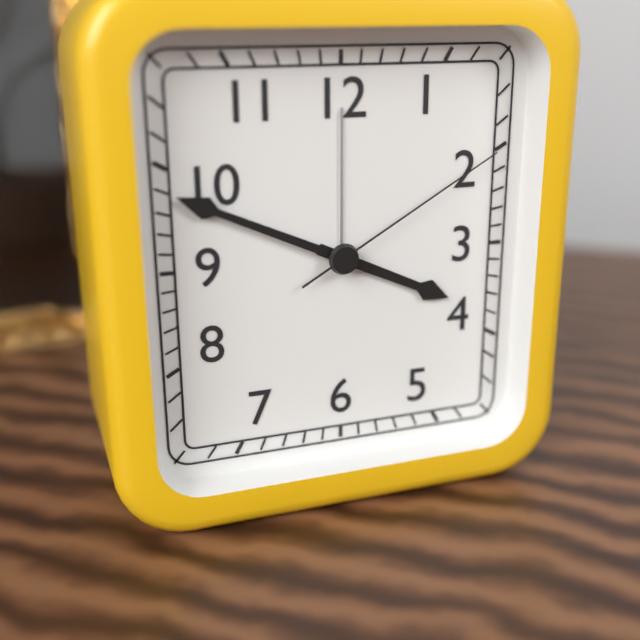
3:49:10
